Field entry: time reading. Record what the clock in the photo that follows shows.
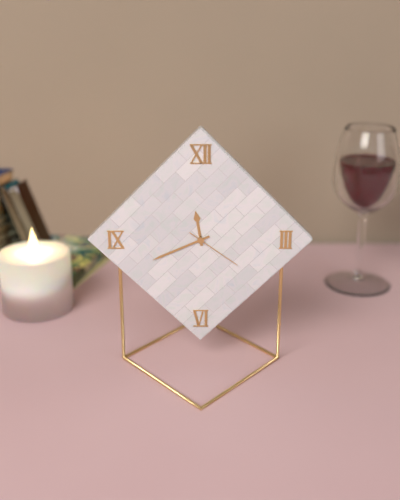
11:41:21
